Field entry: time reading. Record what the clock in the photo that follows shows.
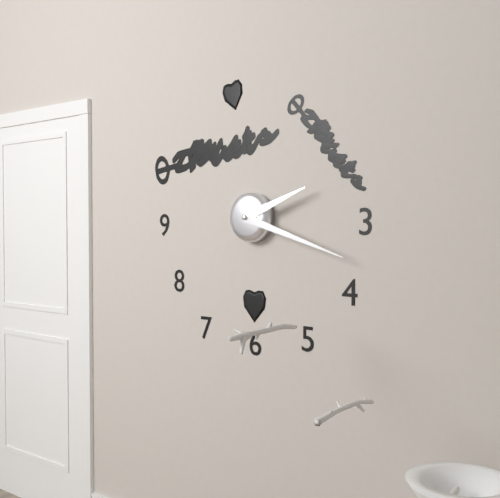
2:18
